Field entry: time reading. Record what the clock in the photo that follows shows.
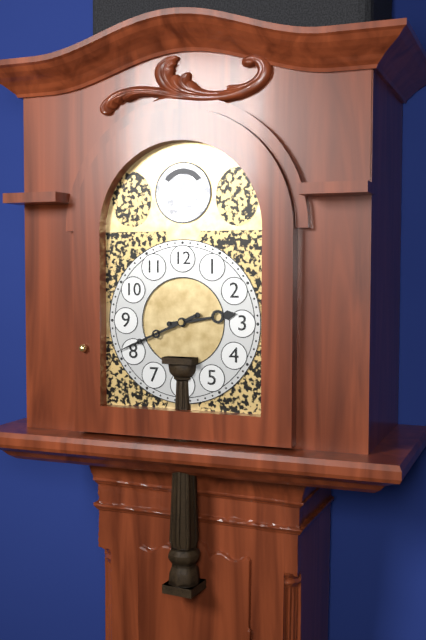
2:41
